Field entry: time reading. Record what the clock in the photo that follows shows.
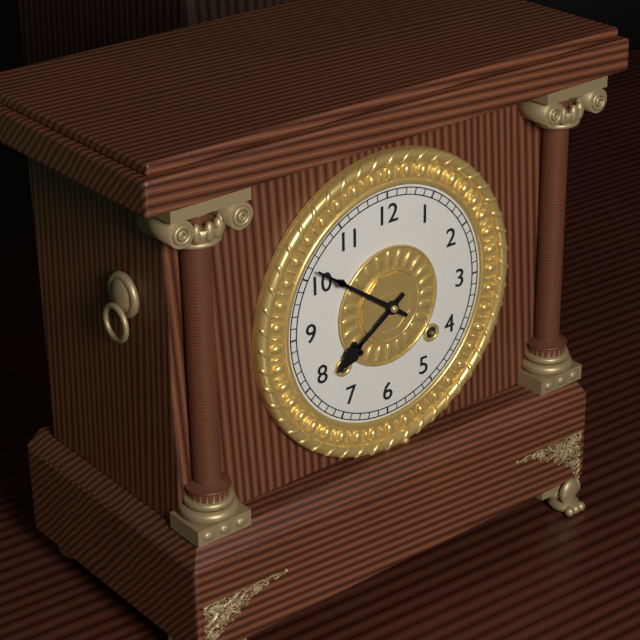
7:51
